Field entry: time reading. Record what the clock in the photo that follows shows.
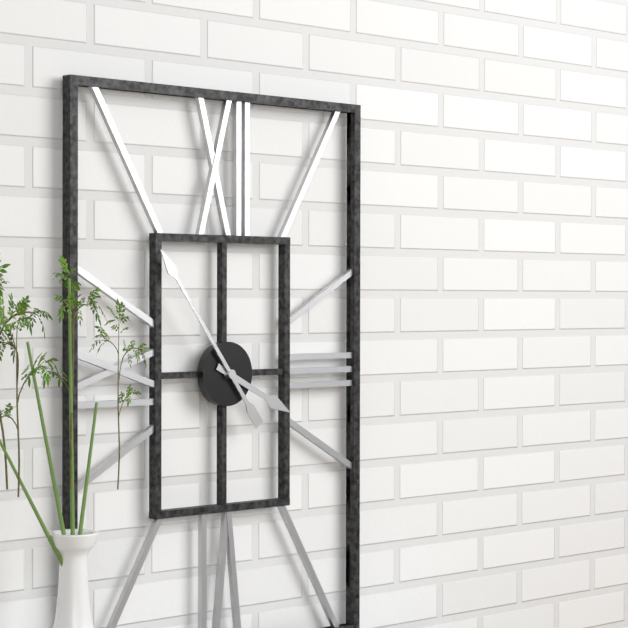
3:54
